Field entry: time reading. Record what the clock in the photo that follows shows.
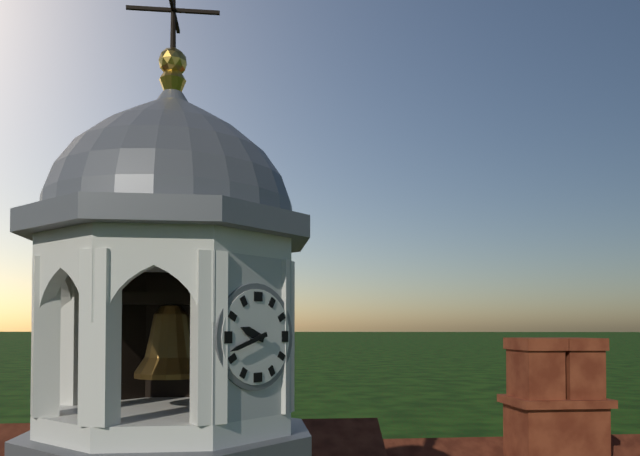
9:42
